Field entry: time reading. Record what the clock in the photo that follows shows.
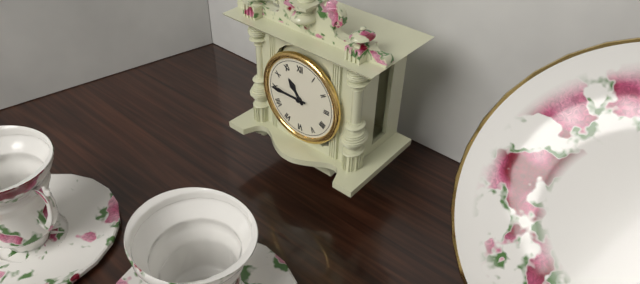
10:45
